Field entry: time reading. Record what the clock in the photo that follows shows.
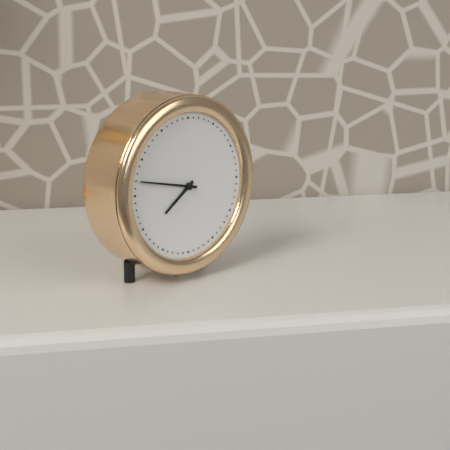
7:47
